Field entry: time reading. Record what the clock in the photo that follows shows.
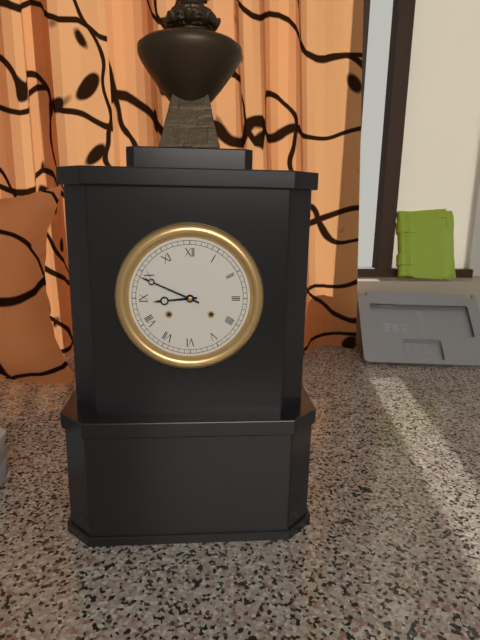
8:49
